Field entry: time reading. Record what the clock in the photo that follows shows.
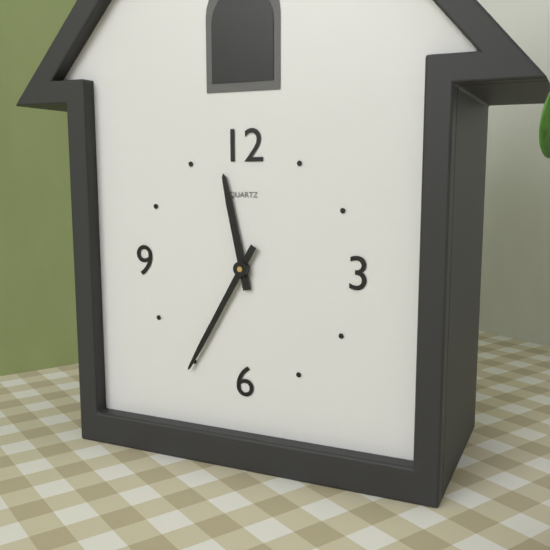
11:35
